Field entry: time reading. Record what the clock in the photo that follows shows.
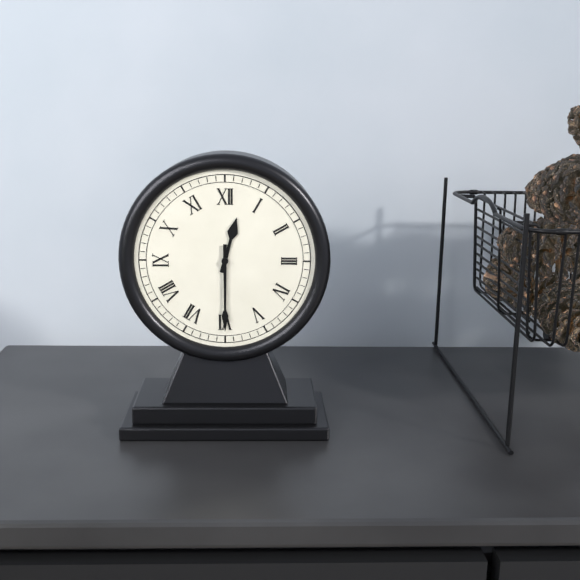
12:30
